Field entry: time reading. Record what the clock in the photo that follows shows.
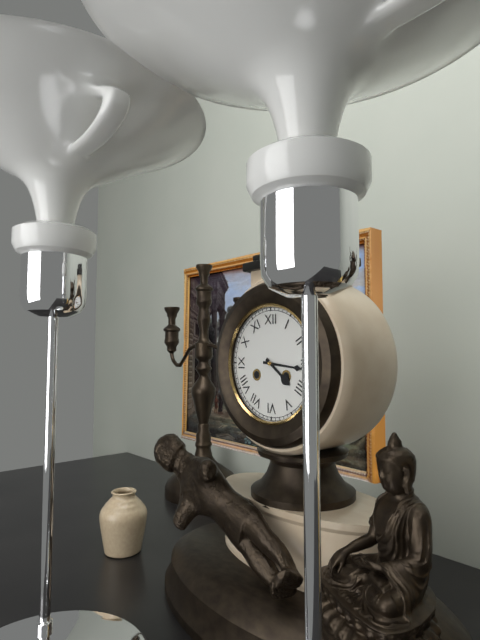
4:16
